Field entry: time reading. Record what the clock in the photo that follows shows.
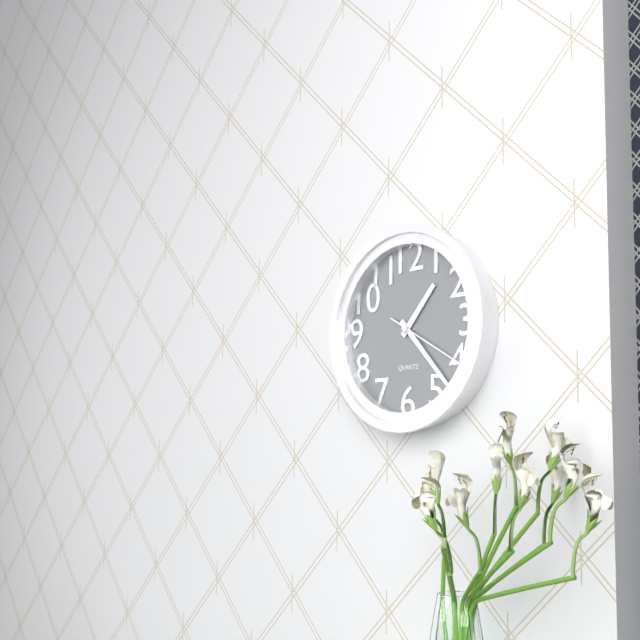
1:23:20
